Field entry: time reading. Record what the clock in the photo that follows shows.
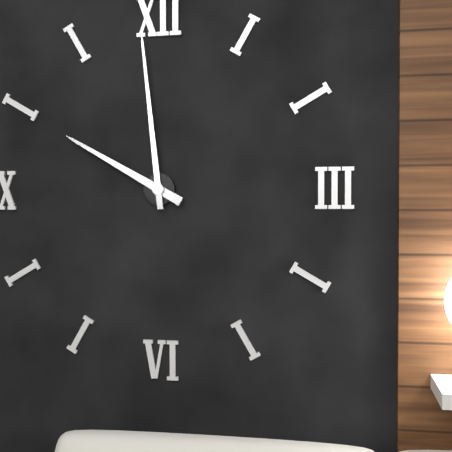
9:59
